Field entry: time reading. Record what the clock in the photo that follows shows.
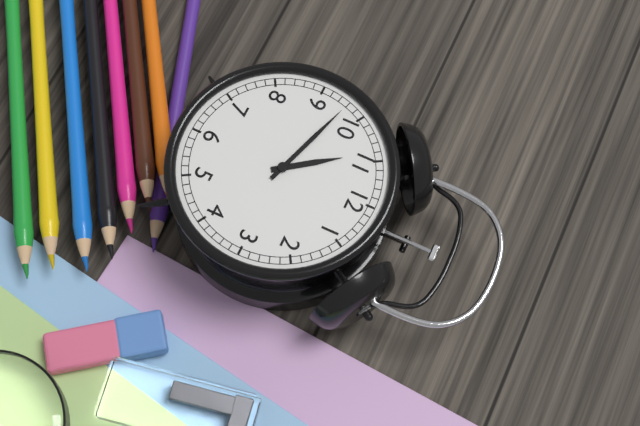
10:48
